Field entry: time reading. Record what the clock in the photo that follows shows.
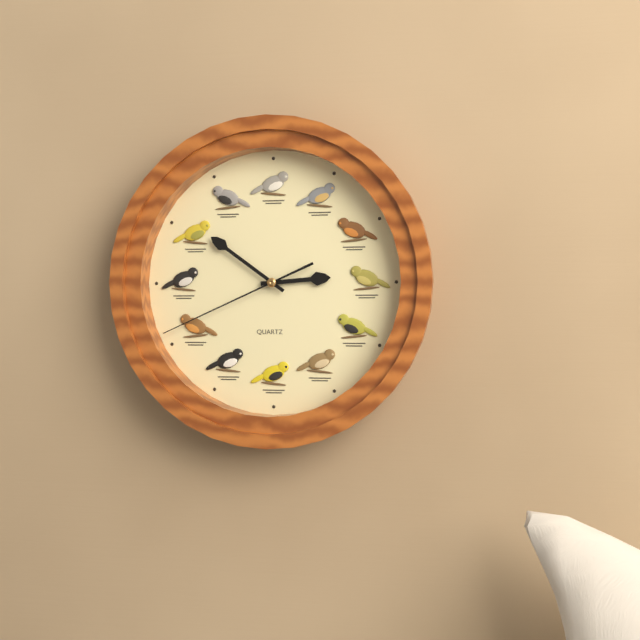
2:51:41
